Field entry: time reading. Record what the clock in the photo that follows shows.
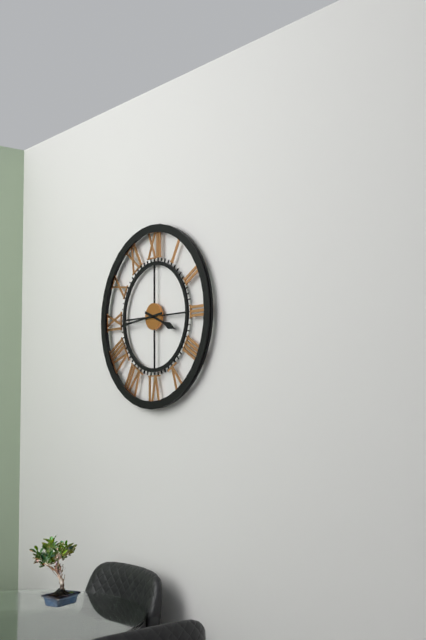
3:44
